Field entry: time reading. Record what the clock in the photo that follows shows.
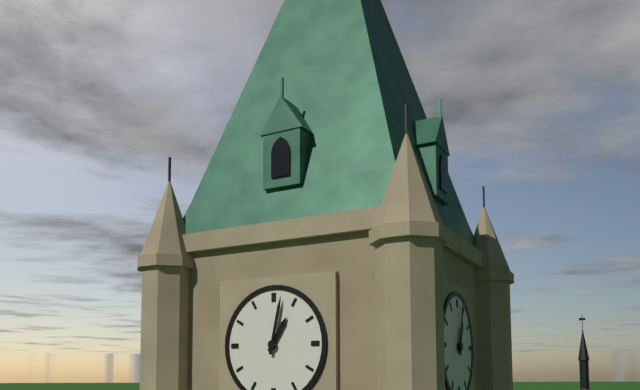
1:02
